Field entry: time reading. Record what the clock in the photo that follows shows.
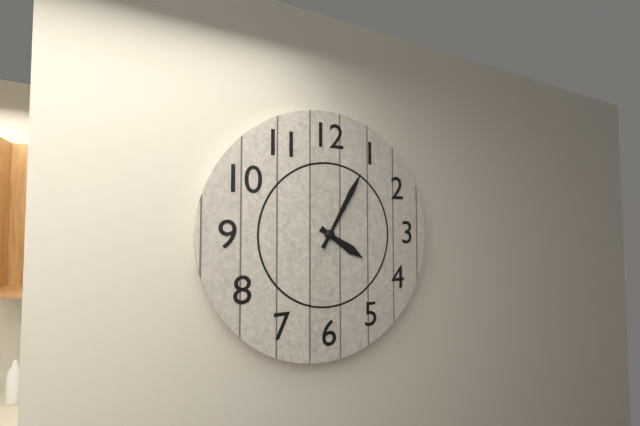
4:05
